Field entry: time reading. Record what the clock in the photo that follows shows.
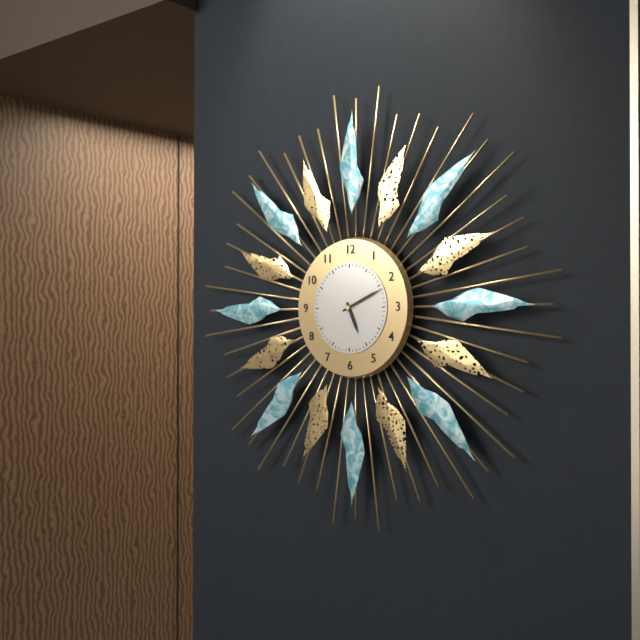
5:11
